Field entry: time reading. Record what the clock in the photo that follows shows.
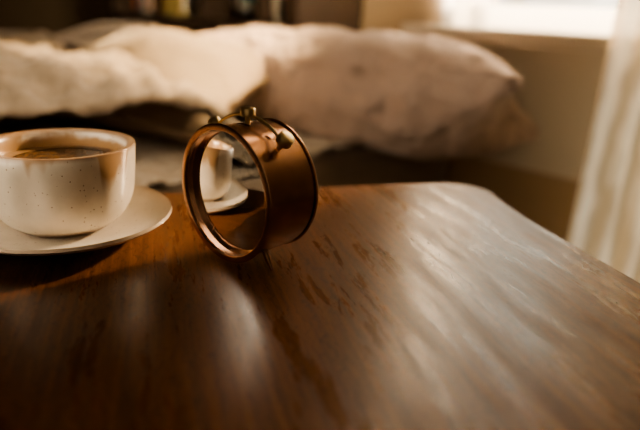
1:02:35
